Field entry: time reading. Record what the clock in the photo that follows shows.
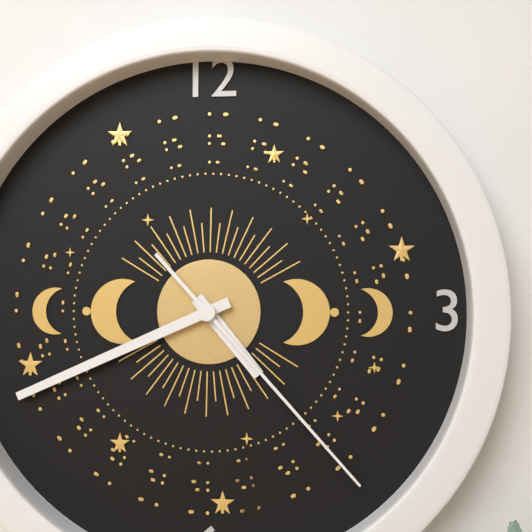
4:41:23
